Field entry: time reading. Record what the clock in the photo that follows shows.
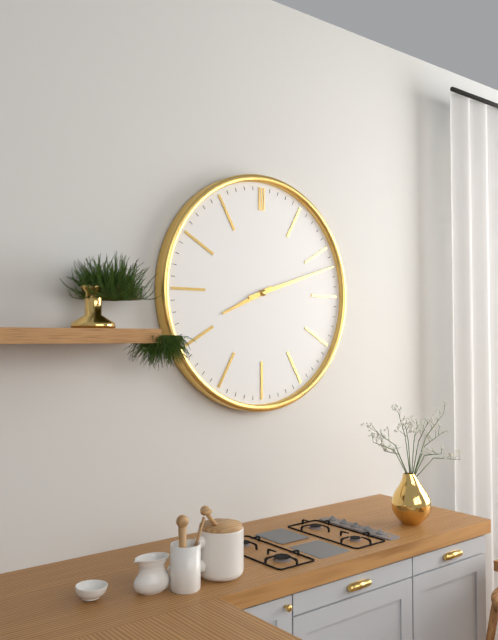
8:12
